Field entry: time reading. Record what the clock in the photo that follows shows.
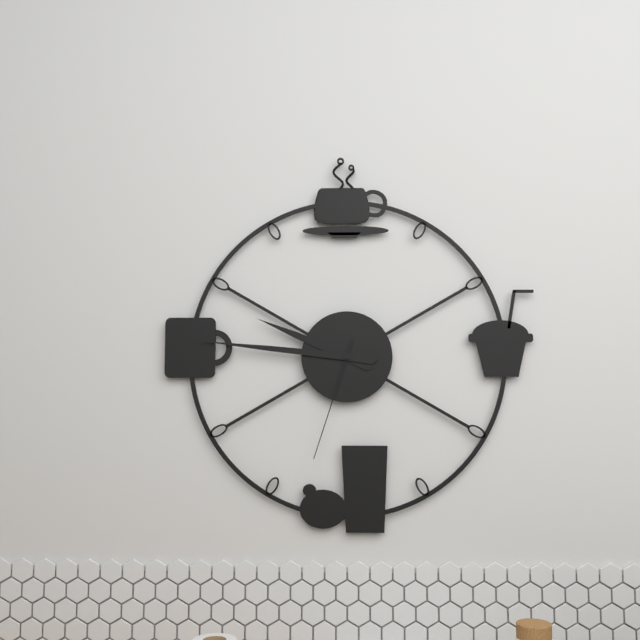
9:46:33
